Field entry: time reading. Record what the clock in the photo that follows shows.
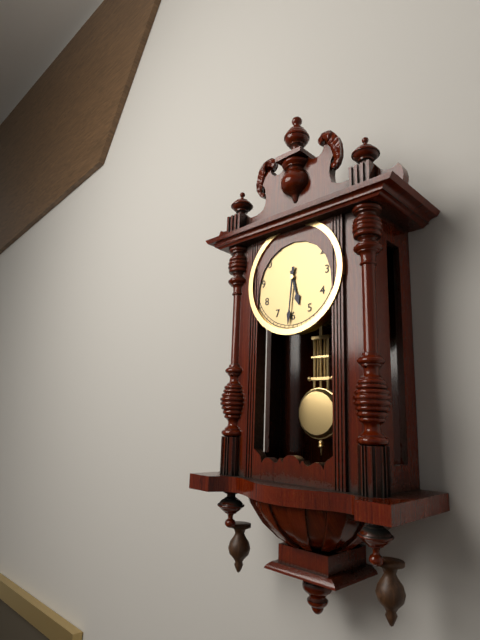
5:31
